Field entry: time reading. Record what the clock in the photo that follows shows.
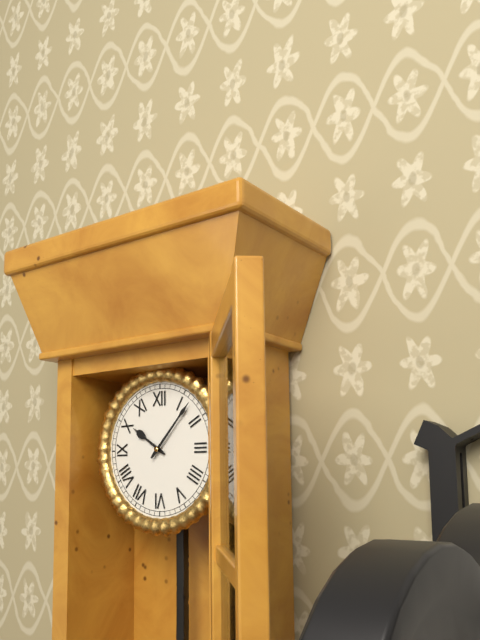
10:07
